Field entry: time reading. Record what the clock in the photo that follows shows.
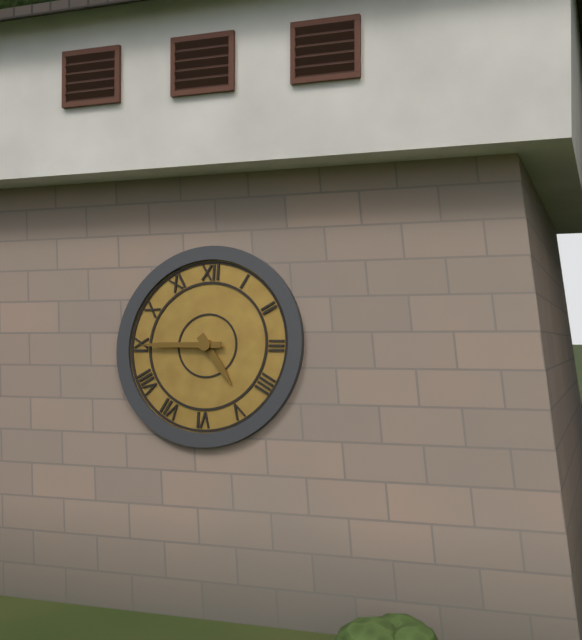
4:45
